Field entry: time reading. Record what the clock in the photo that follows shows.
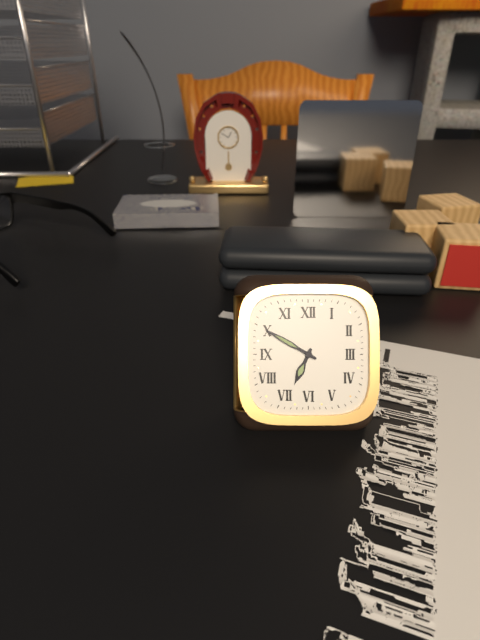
6:50
